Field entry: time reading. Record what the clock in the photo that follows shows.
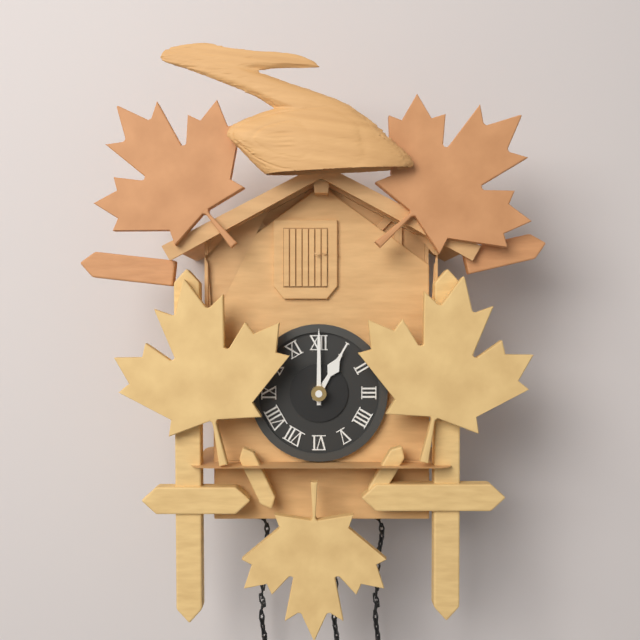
1:00
